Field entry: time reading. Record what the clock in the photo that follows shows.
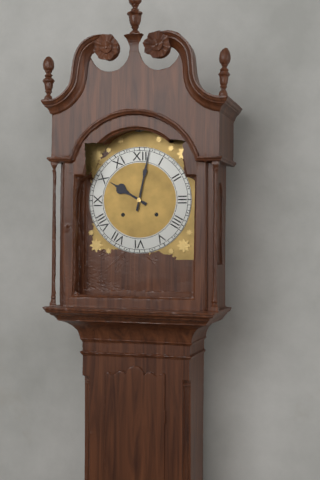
10:02
